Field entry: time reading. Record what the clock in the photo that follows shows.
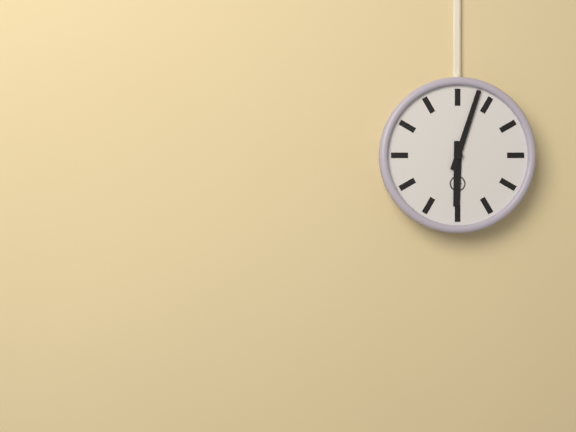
6:03
